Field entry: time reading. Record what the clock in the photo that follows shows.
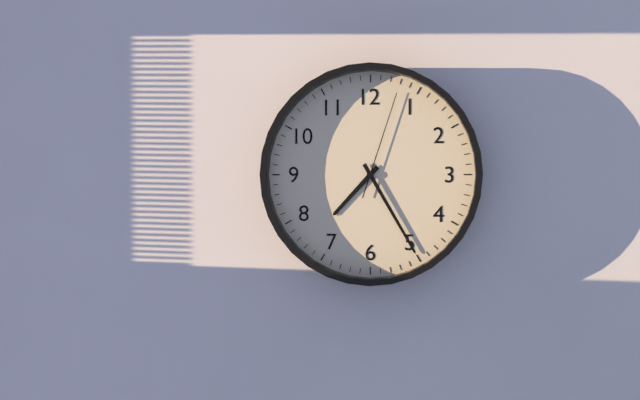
7:25:03
